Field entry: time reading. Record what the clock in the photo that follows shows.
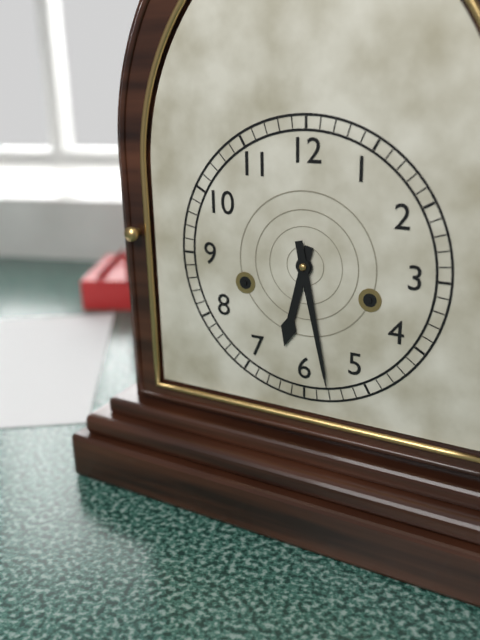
6:28
